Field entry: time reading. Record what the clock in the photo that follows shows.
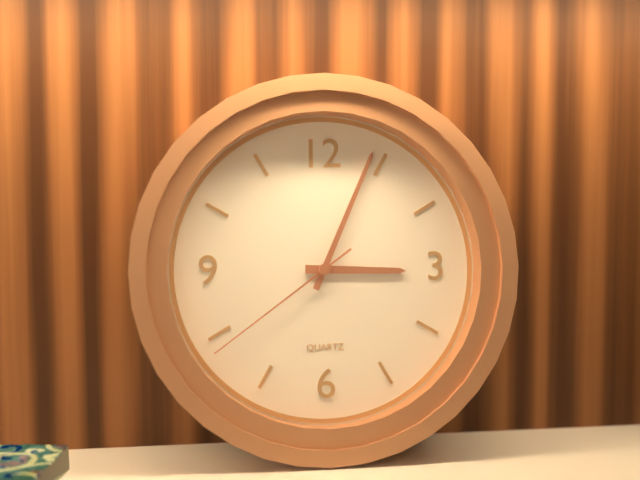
3:04:39
